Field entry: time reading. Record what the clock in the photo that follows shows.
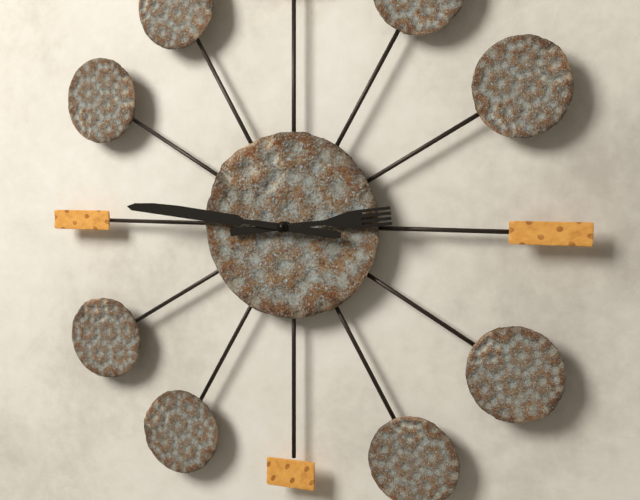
2:46
